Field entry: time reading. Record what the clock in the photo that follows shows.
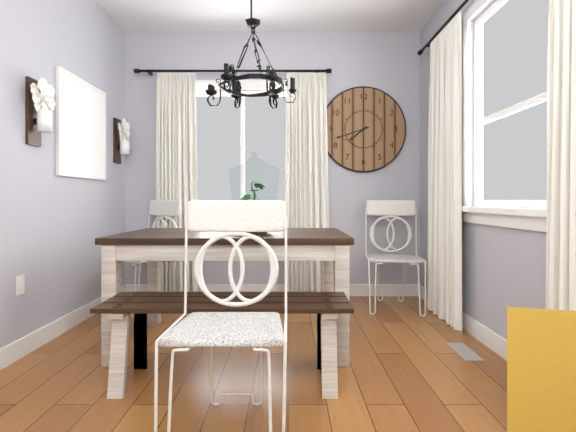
7:42
